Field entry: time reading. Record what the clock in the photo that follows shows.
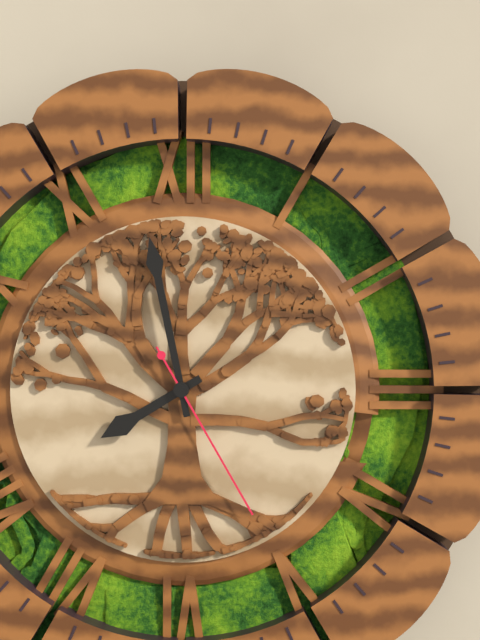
7:58:25
